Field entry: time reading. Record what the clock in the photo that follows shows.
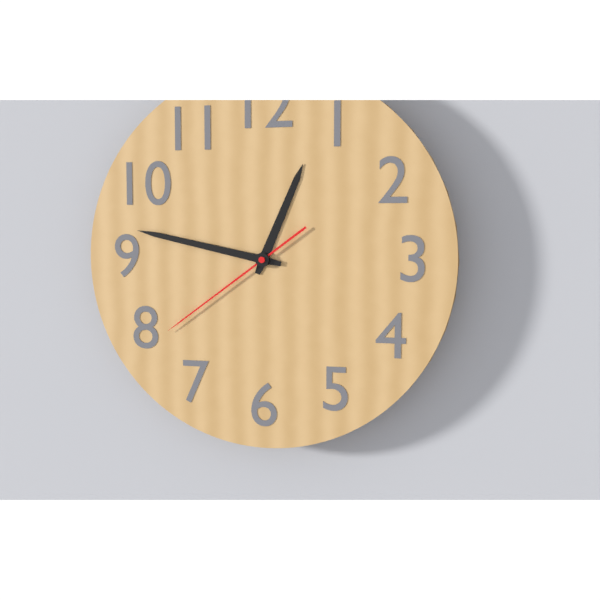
12:47:39
